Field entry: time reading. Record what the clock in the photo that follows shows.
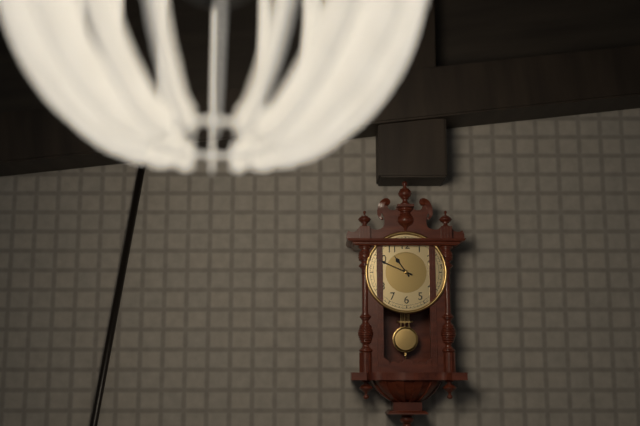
10:49
